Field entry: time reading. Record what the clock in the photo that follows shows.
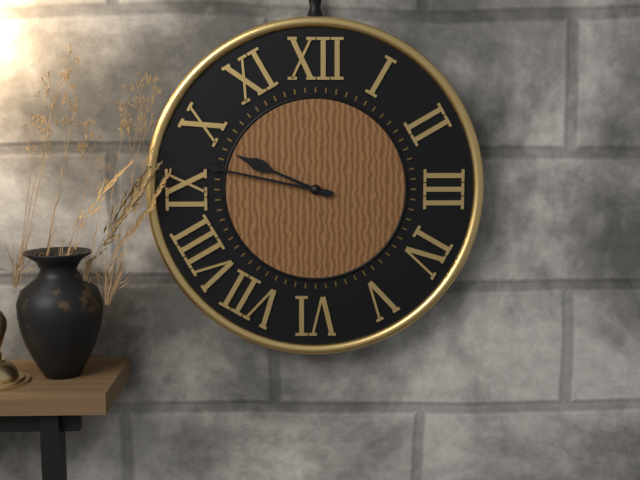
9:47
